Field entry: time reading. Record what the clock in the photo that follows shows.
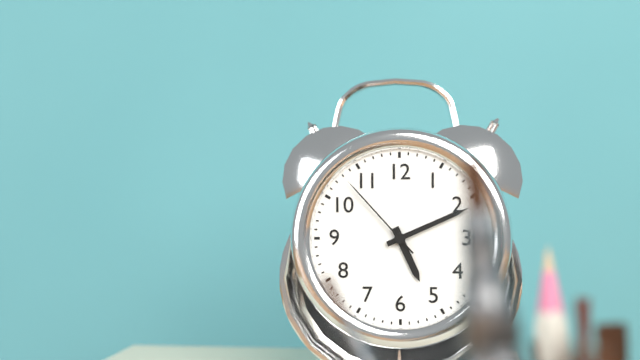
5:11:53
